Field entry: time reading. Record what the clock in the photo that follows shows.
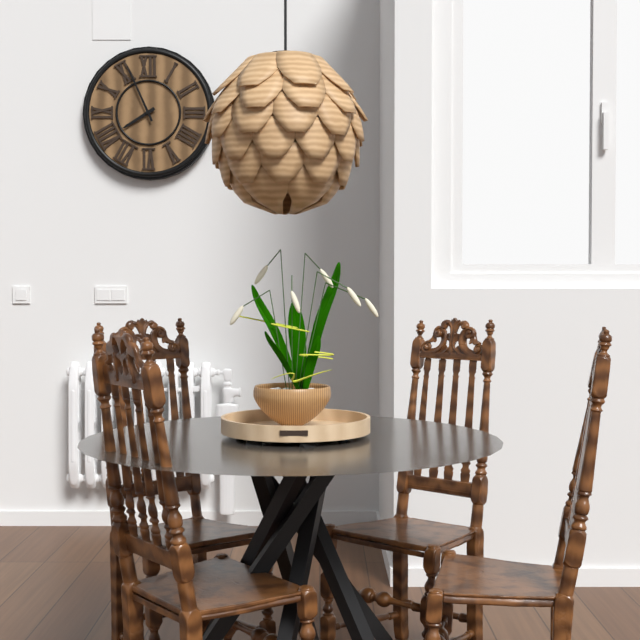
7:56
